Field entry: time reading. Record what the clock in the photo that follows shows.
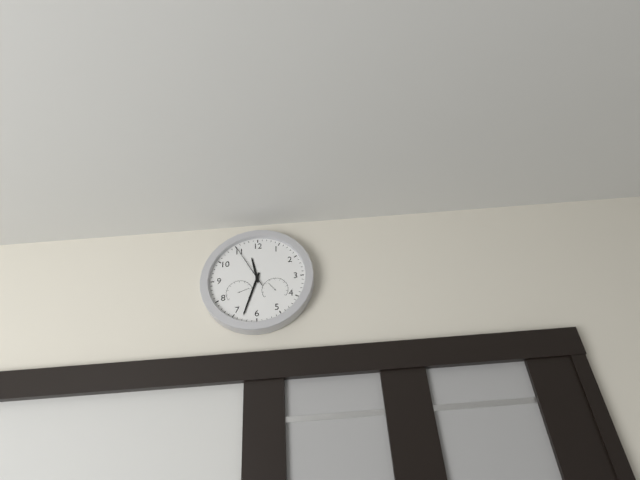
11:33
